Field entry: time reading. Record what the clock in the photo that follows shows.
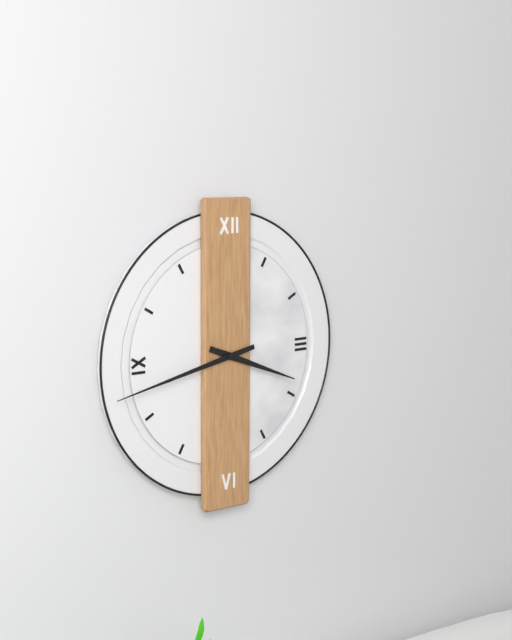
3:43
